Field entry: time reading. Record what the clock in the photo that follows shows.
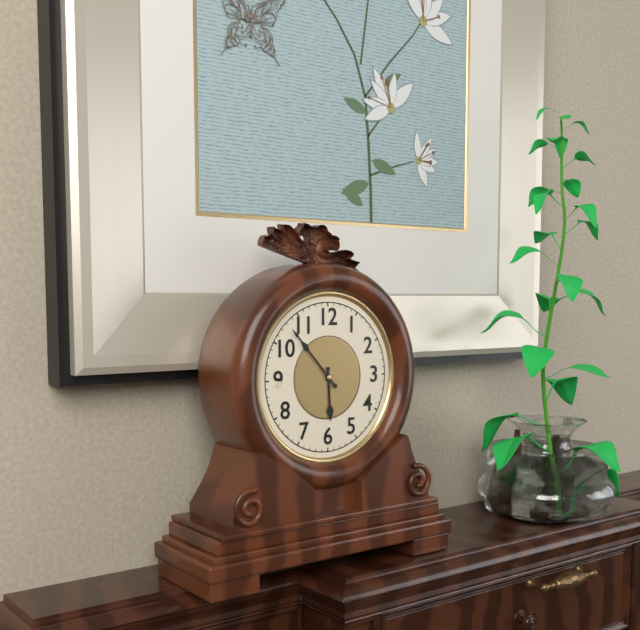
5:53
